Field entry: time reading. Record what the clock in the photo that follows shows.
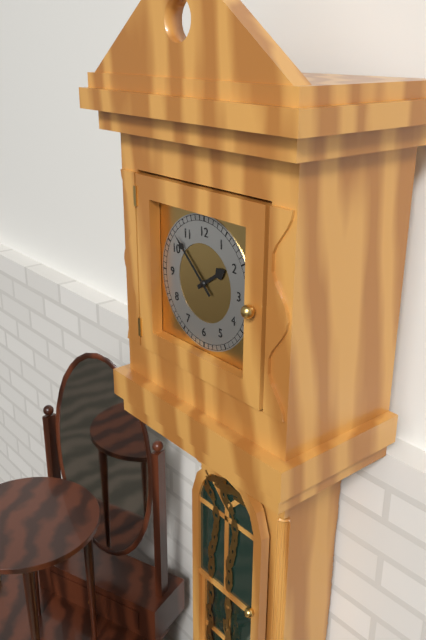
1:52
